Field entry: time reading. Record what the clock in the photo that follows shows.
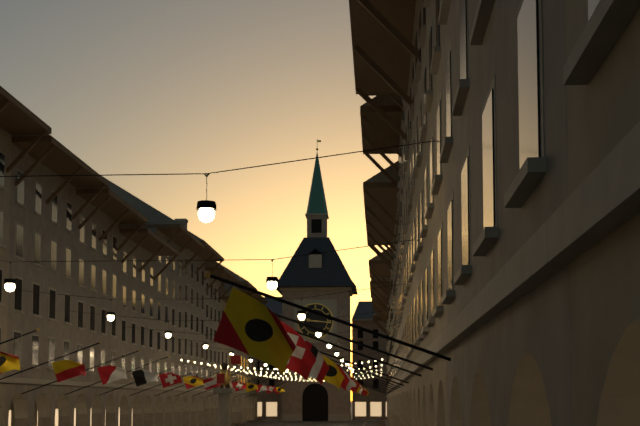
9:16
